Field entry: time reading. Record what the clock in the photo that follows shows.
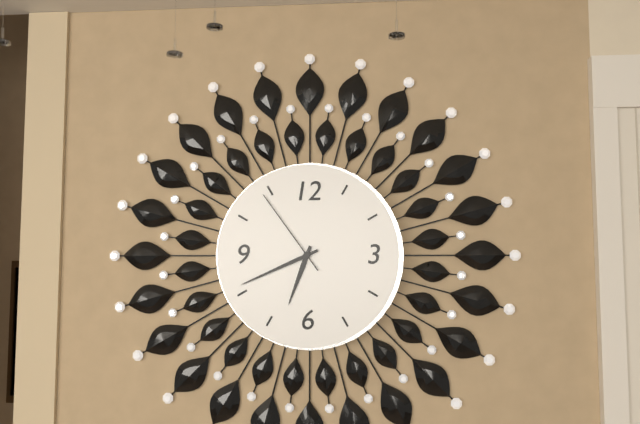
6:41:54
